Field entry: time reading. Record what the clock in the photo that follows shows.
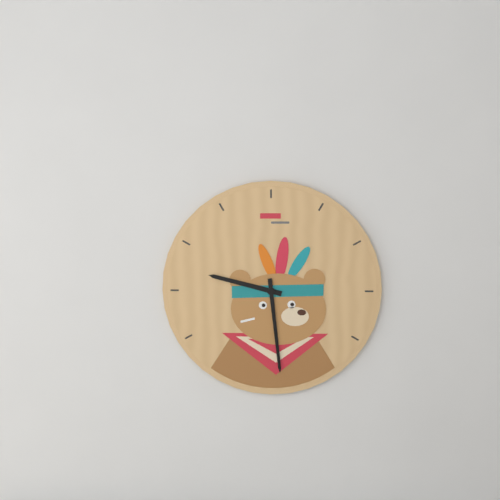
9:29
